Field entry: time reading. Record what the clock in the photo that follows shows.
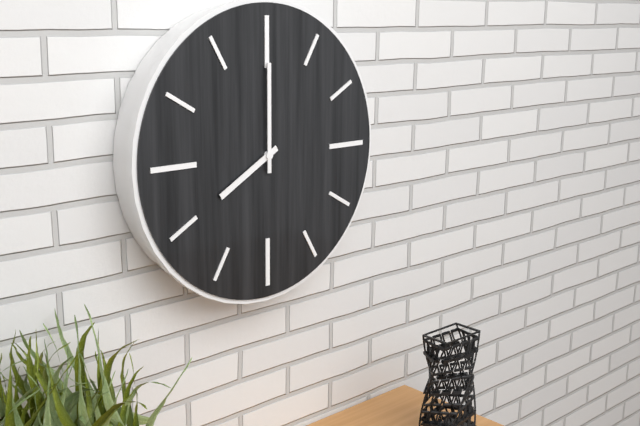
8:00
